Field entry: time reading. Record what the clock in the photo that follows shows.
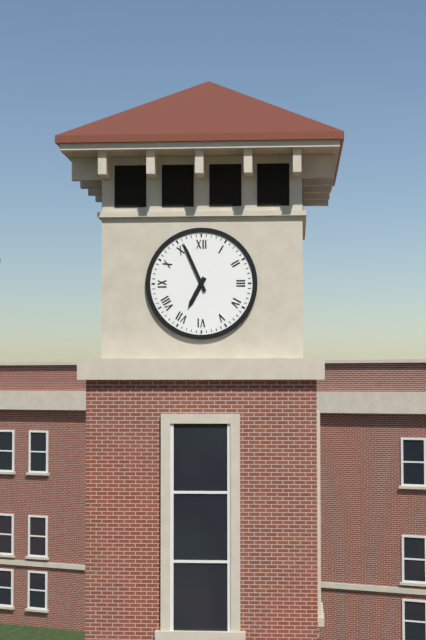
6:56
